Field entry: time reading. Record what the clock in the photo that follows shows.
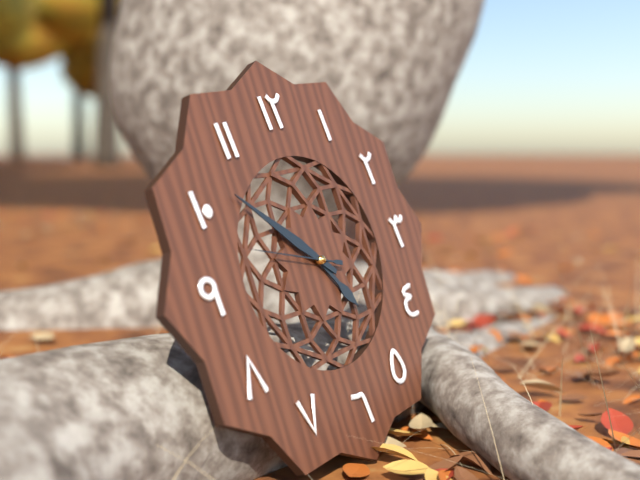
4:52:48
